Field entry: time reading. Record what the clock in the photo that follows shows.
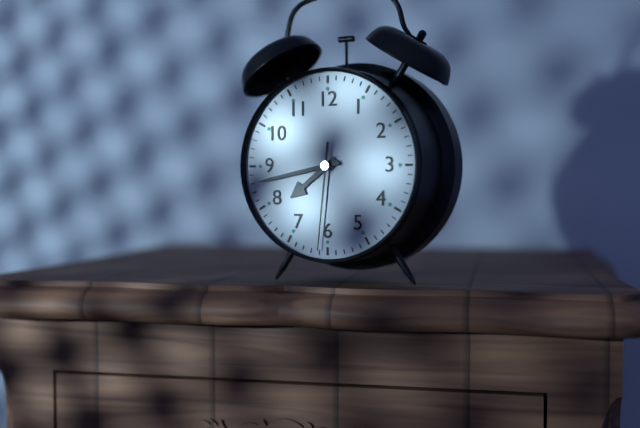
7:43:31
